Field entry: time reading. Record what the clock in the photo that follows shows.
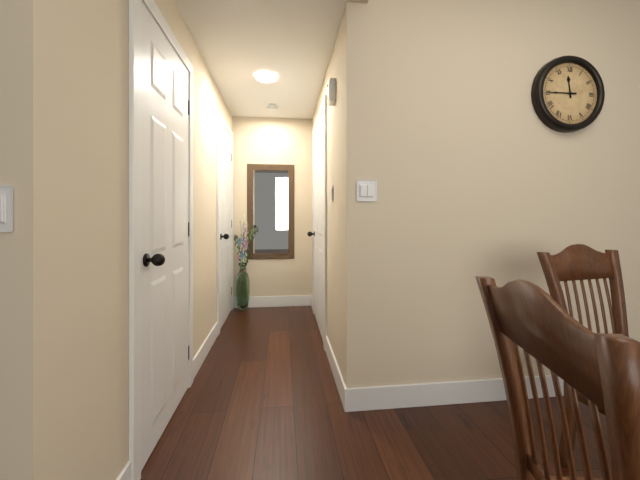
11:45
